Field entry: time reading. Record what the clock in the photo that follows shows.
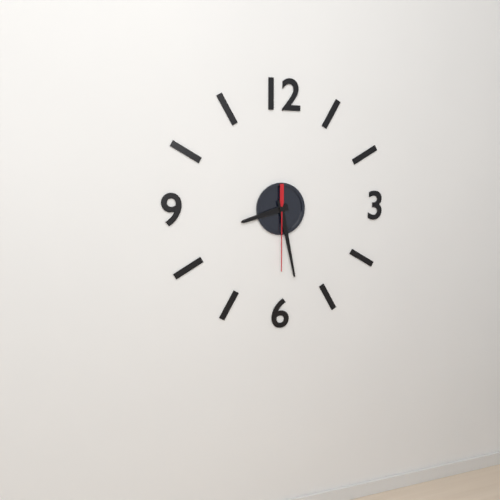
8:28:30
